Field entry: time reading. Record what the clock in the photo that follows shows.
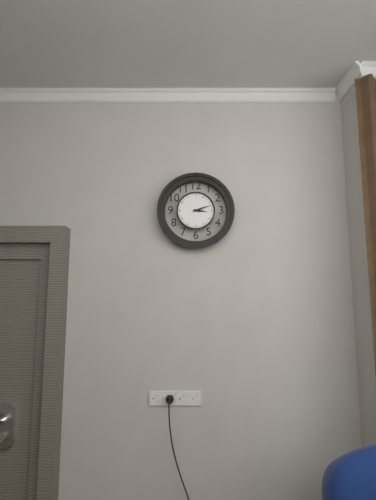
3:12
